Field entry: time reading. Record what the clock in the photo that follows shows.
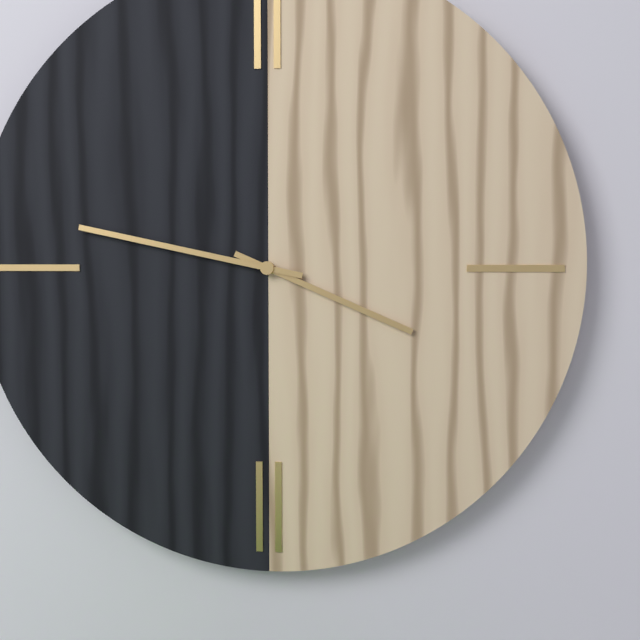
3:47
